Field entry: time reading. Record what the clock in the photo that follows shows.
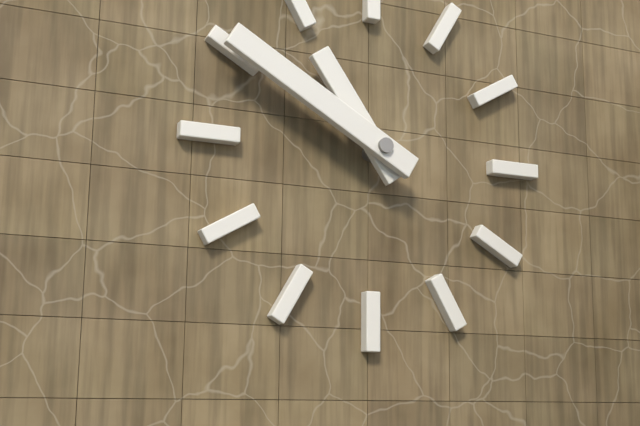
10:50
